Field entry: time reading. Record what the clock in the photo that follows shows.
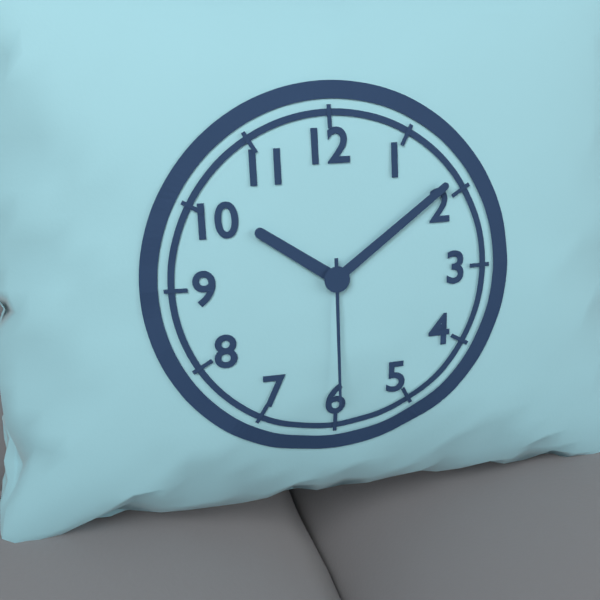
10:09:30
